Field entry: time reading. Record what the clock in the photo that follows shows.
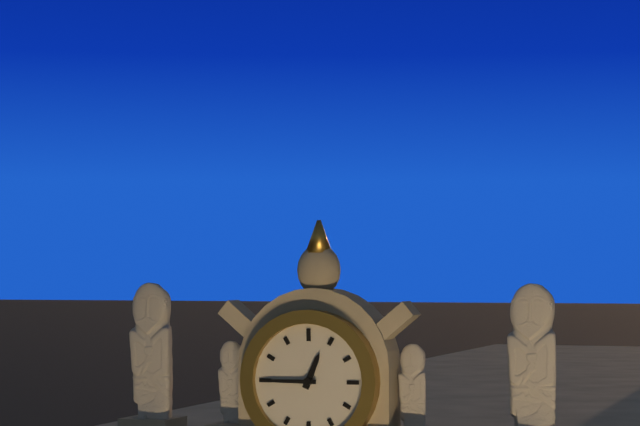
12:45
